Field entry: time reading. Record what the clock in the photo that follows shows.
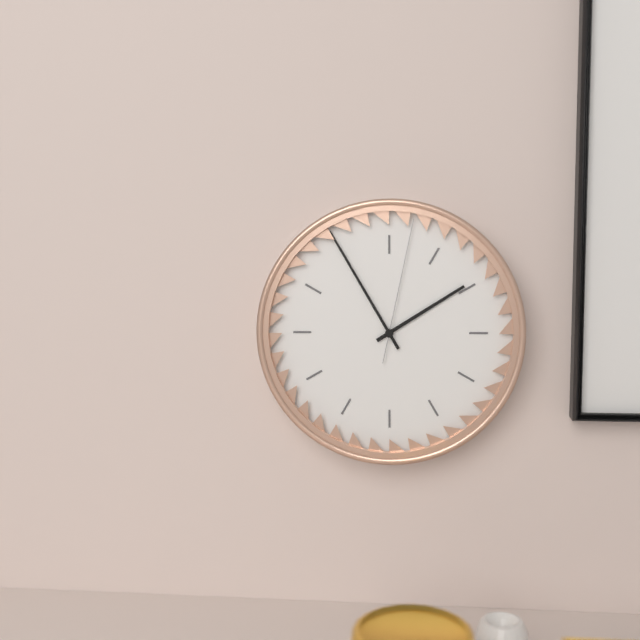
1:55:02
